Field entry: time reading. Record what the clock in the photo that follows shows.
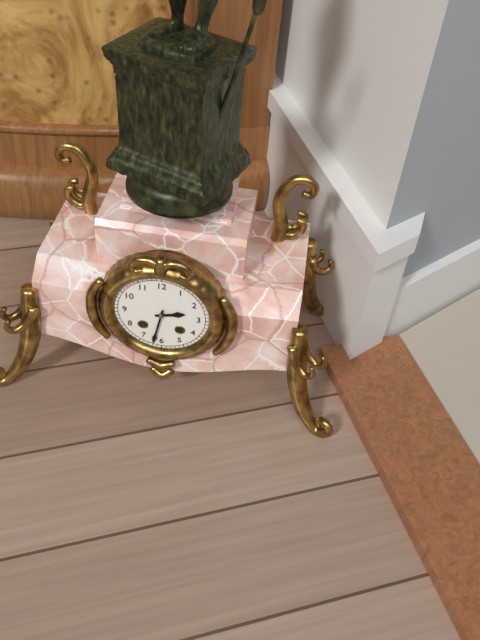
2:32
